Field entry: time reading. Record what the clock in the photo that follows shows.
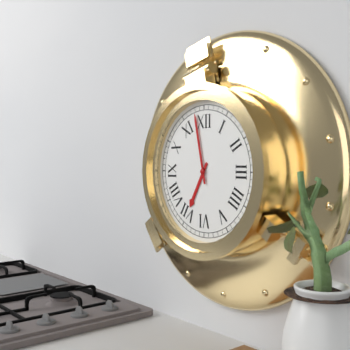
6:58
